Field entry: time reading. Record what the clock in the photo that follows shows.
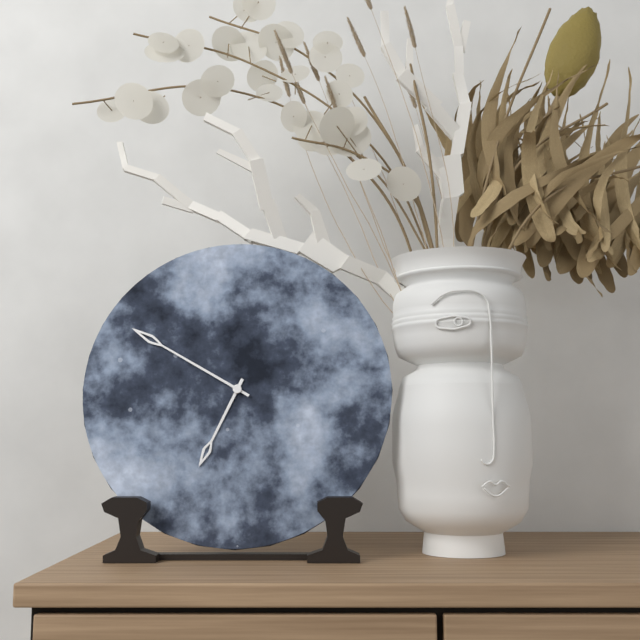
6:50
